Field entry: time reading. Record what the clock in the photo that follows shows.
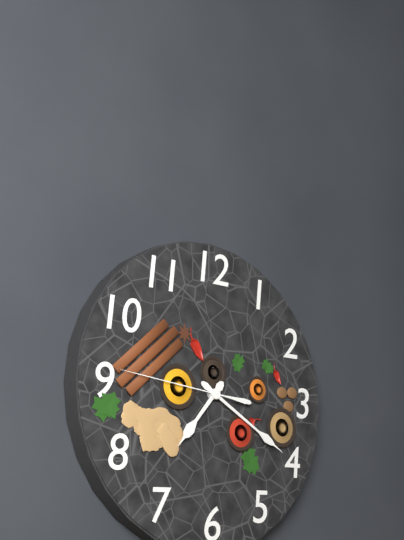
7:20:46
